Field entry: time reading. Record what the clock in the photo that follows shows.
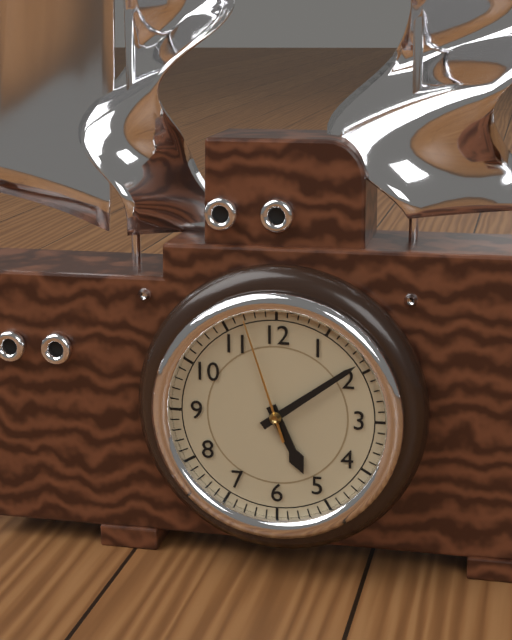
5:09:57
